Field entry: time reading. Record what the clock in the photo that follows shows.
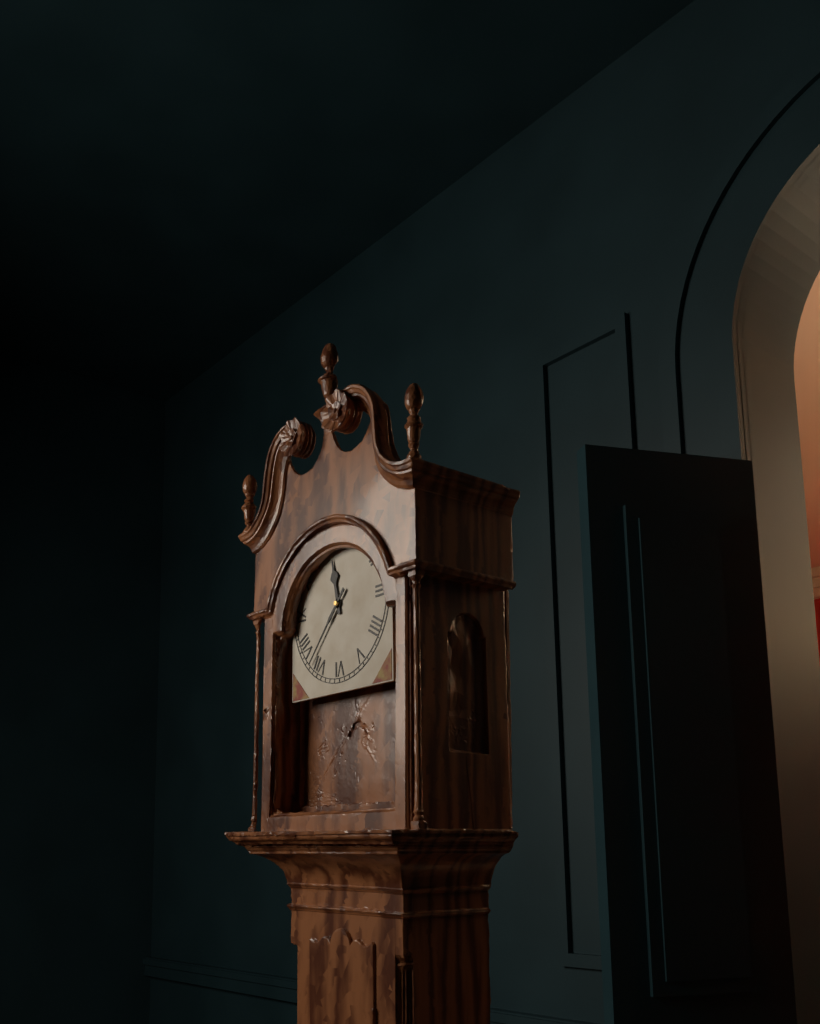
11:37
